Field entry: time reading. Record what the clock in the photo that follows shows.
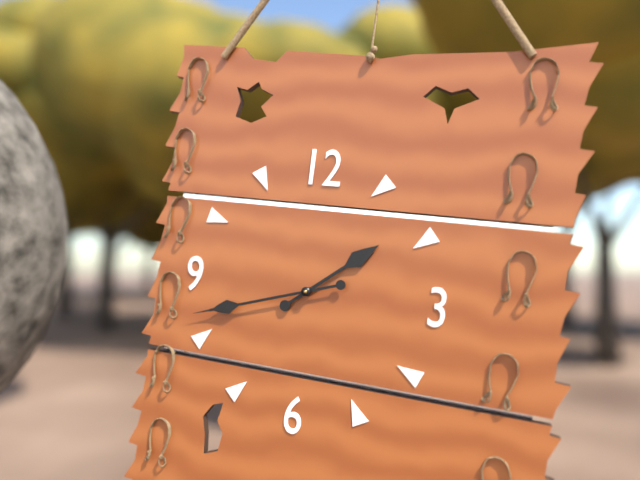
1:42
